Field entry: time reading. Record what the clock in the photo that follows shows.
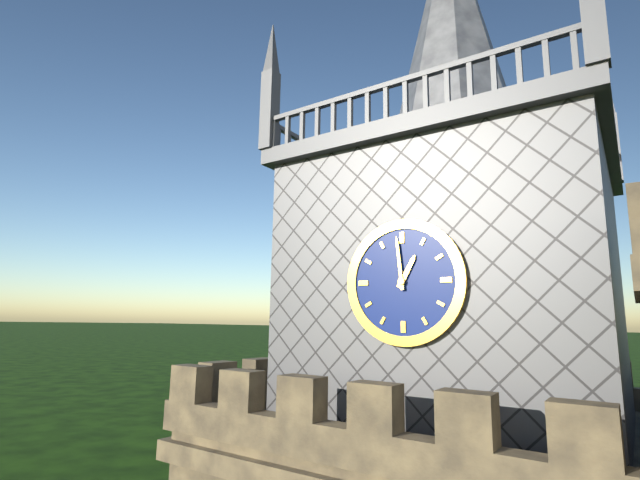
12:59
